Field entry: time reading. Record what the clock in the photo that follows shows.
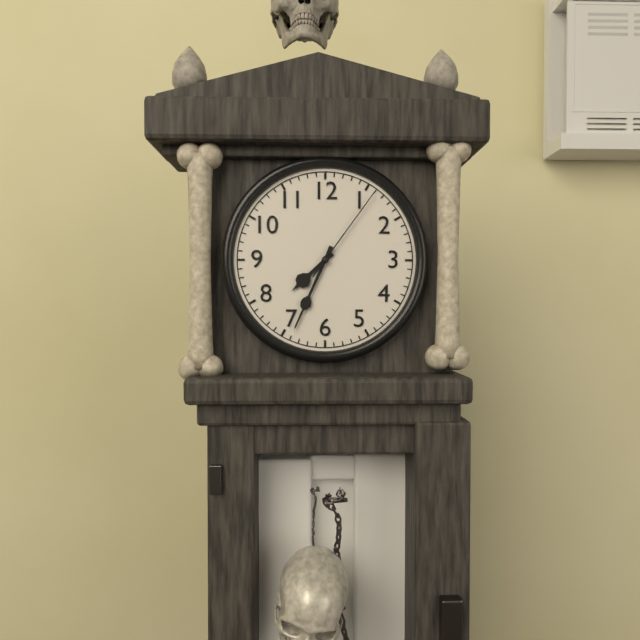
7:34:06
